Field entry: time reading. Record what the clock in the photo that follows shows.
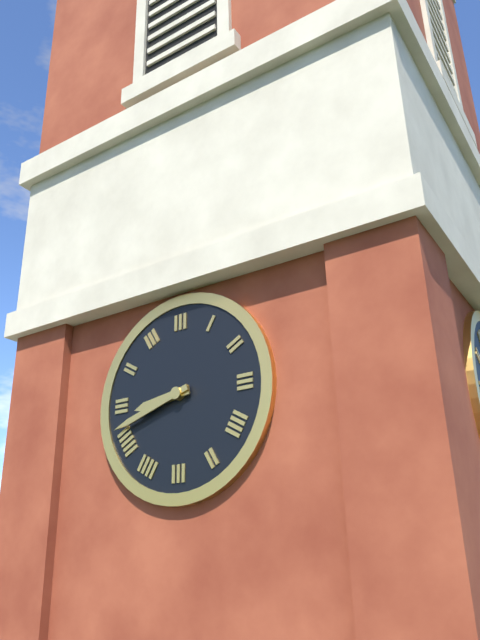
8:42
